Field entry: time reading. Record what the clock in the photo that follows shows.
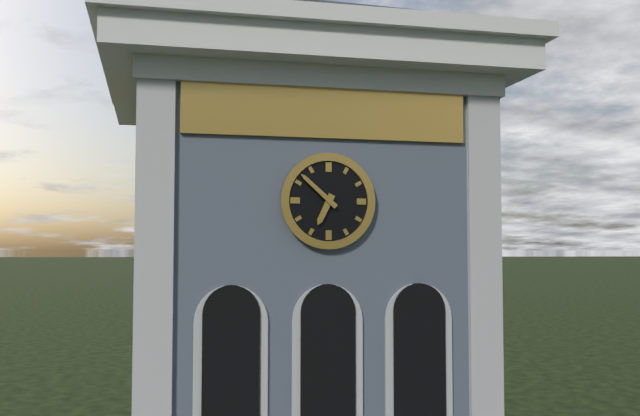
6:52
